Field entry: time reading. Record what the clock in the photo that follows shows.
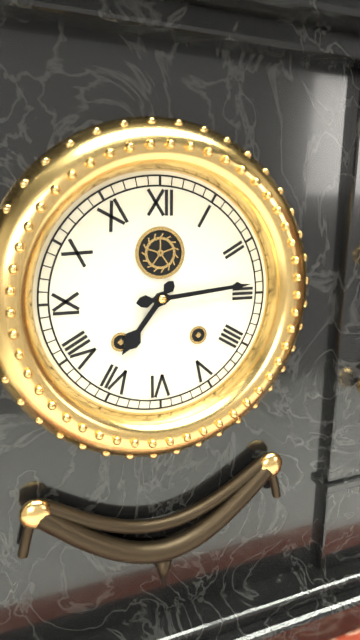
7:14
